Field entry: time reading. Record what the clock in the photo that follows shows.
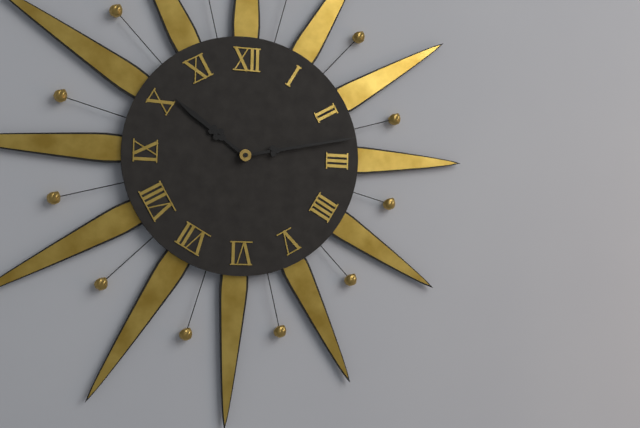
10:13
